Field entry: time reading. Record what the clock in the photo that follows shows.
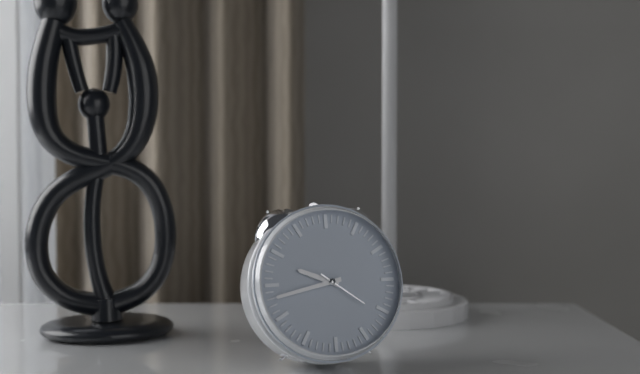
9:43
